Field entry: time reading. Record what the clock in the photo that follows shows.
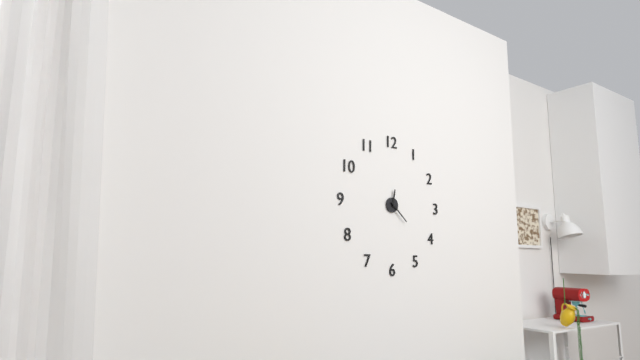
12:22
